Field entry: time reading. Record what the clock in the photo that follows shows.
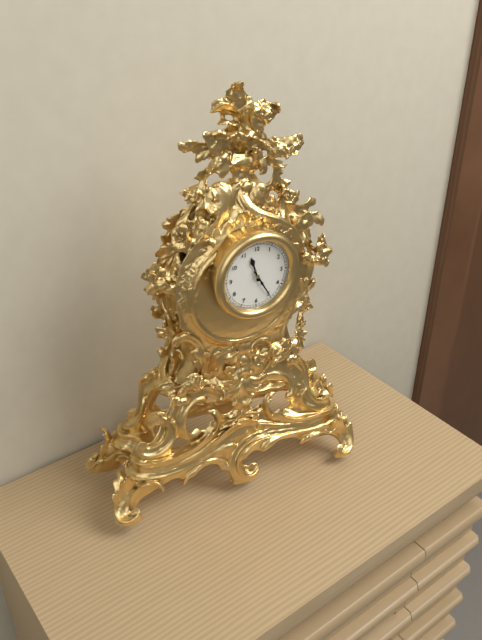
11:25
